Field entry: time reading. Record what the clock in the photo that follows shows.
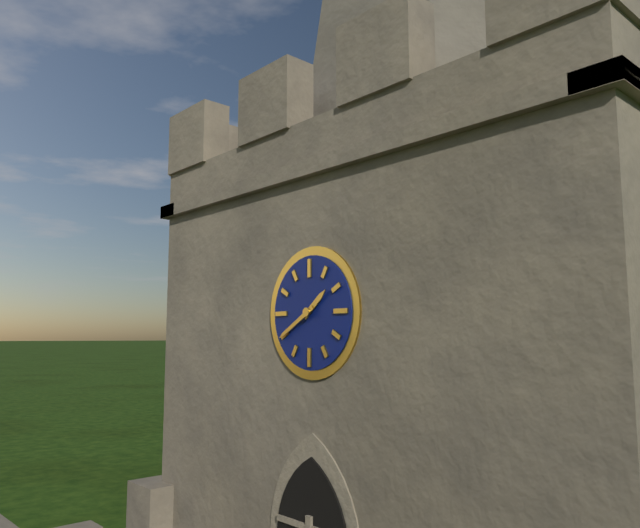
1:40
